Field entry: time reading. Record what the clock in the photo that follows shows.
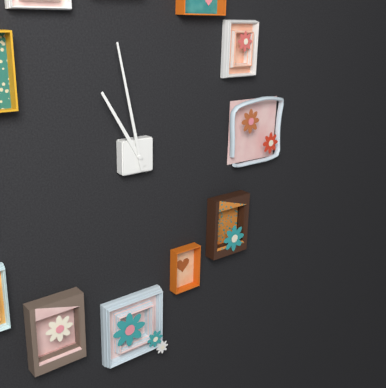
10:58
